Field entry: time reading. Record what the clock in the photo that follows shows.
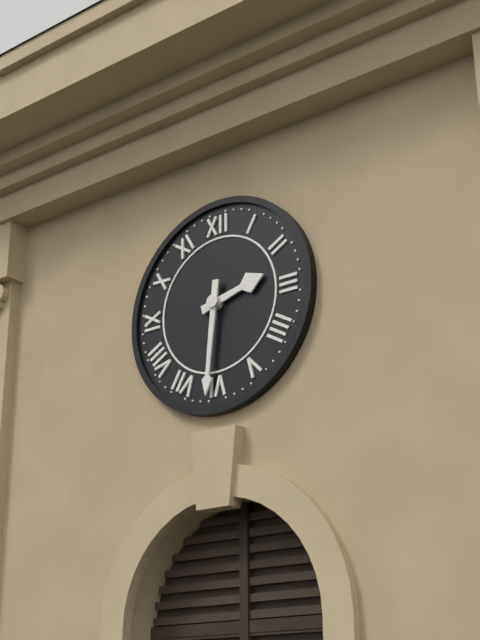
2:31
